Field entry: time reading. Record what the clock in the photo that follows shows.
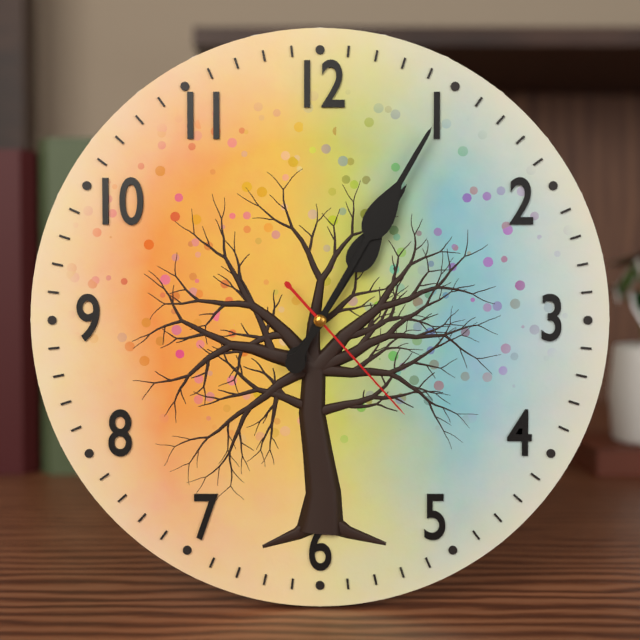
1:05:23
